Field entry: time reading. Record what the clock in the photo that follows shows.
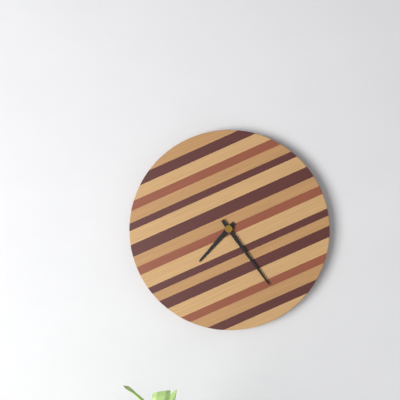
7:24
